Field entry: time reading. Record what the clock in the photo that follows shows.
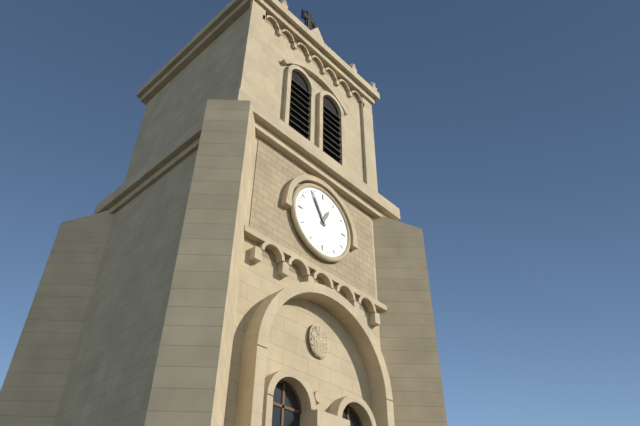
12:55
